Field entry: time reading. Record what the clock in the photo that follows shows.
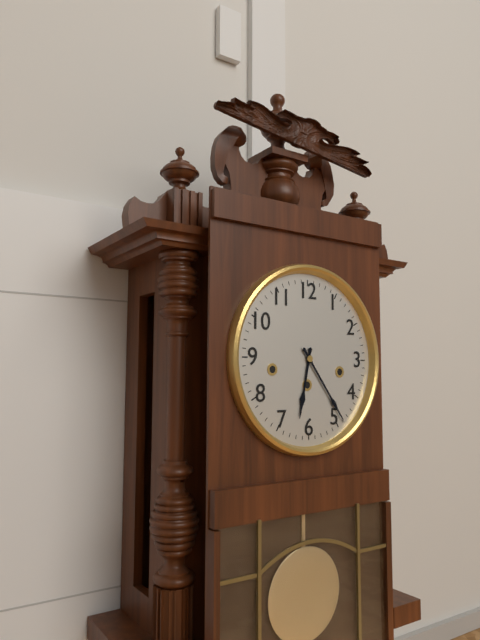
6:24
